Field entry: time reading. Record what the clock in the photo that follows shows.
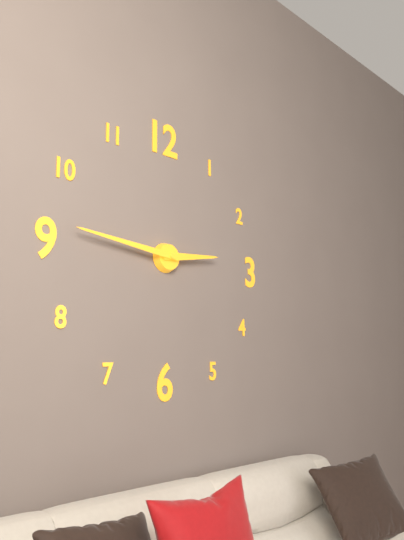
2:46
